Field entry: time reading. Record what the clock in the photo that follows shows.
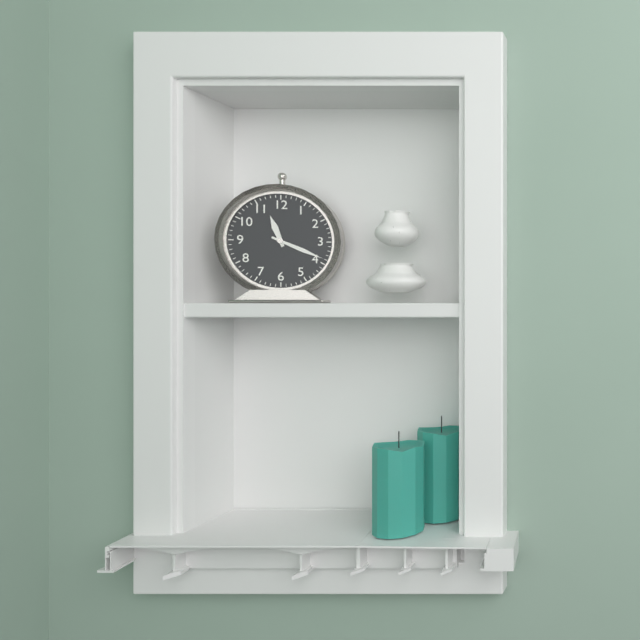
11:19
